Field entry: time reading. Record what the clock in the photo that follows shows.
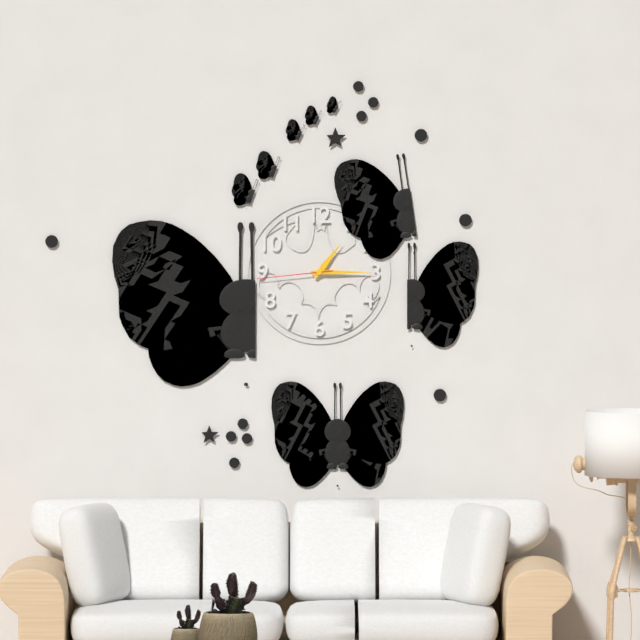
1:15:44
